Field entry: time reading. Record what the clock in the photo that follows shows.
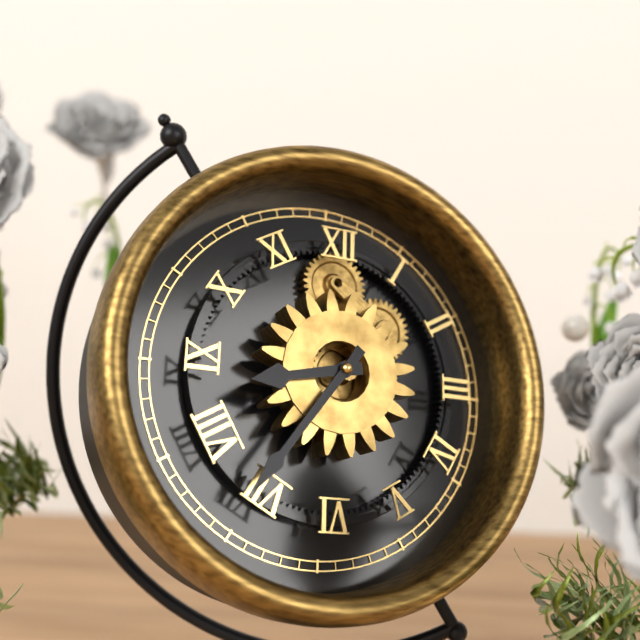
8:36
